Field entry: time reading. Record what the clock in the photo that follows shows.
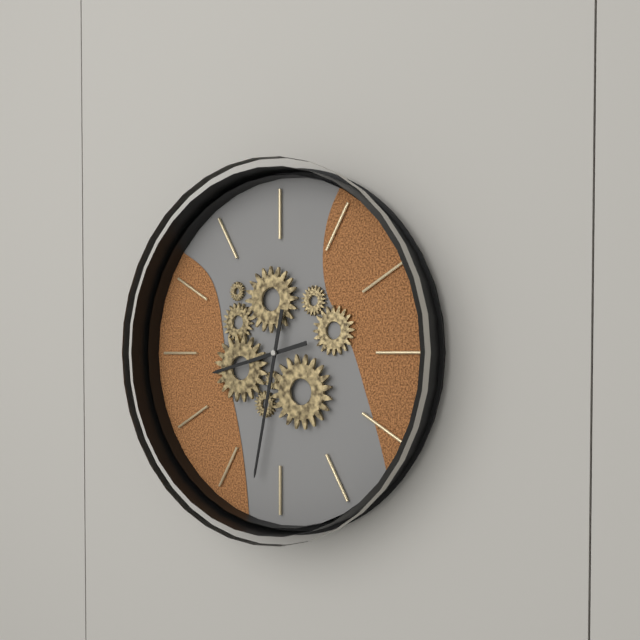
8:32
